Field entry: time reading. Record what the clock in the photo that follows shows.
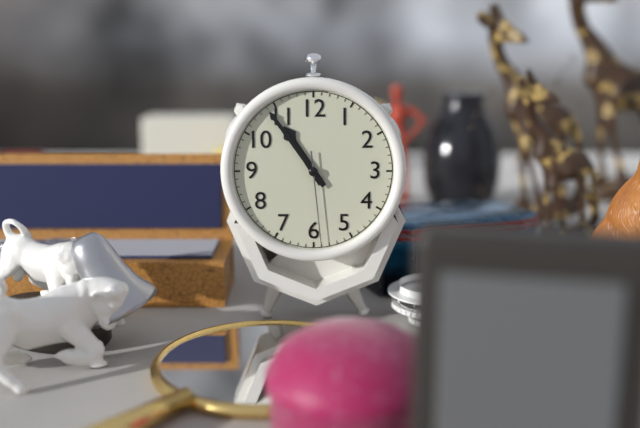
10:54:29
